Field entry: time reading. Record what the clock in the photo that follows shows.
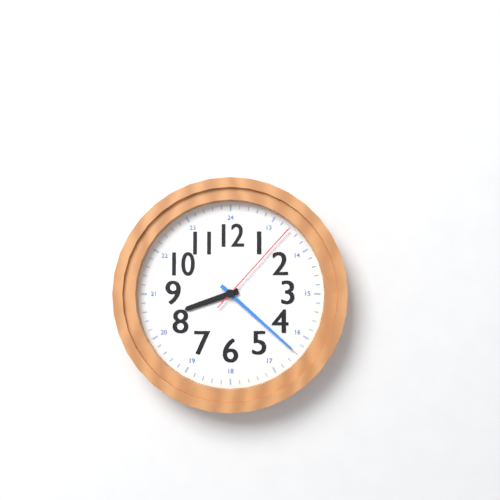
8:22:07
